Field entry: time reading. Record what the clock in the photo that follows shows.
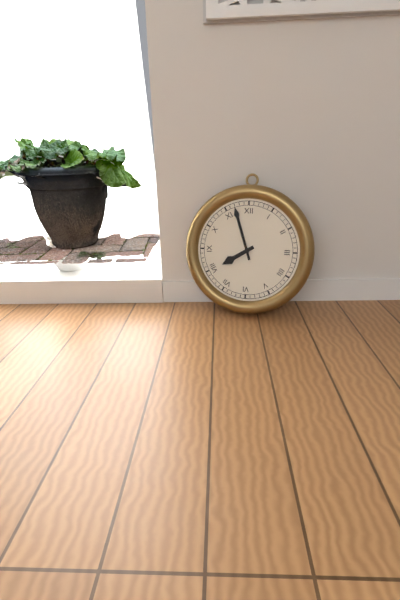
7:57
